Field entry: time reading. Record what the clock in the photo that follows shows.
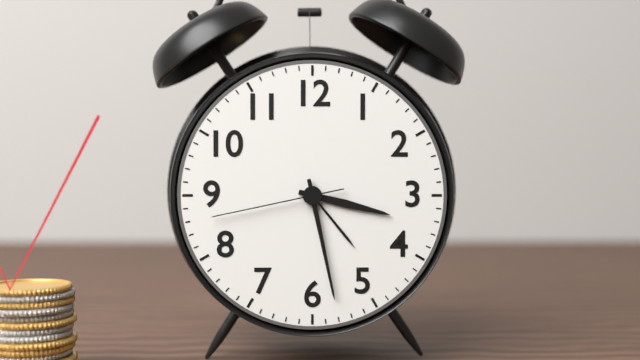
3:28:43
